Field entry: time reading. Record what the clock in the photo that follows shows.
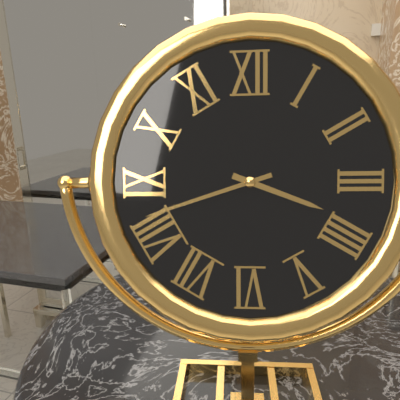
3:42
